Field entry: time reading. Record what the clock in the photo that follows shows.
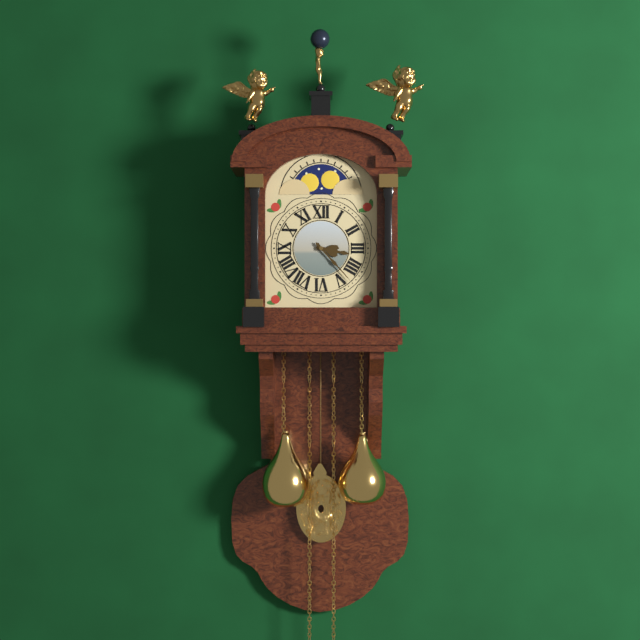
3:23
